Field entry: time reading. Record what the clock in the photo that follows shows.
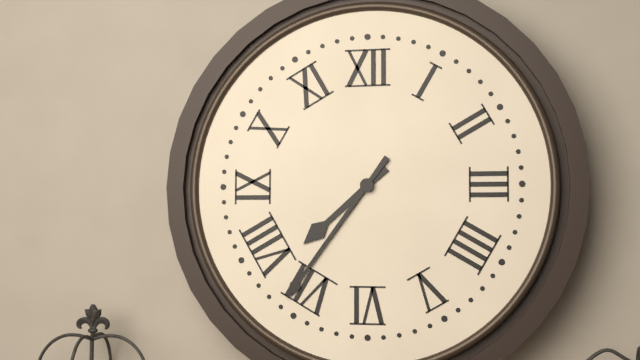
7:36
